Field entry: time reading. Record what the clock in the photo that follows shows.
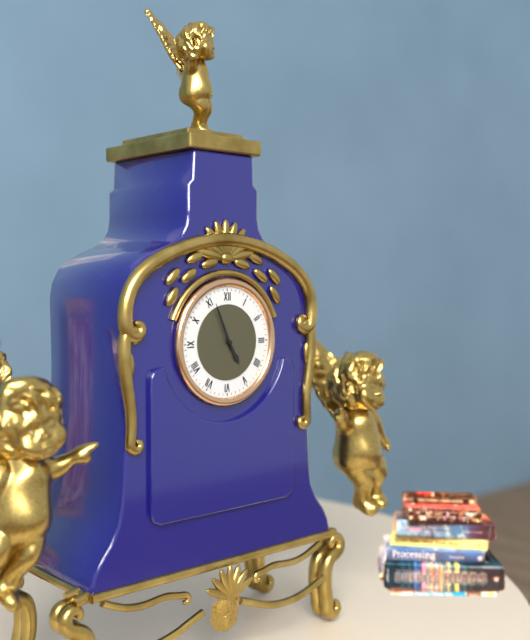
4:56
